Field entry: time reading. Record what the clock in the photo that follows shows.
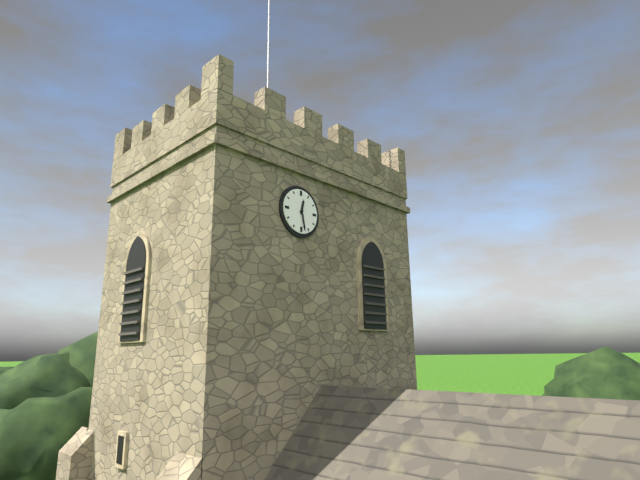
12:28
